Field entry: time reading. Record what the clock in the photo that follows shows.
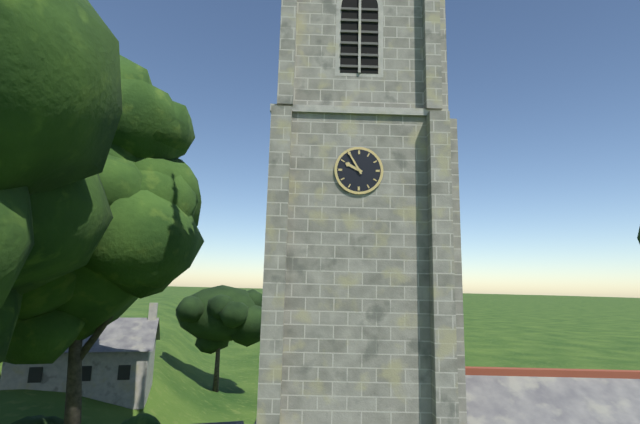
9:55
